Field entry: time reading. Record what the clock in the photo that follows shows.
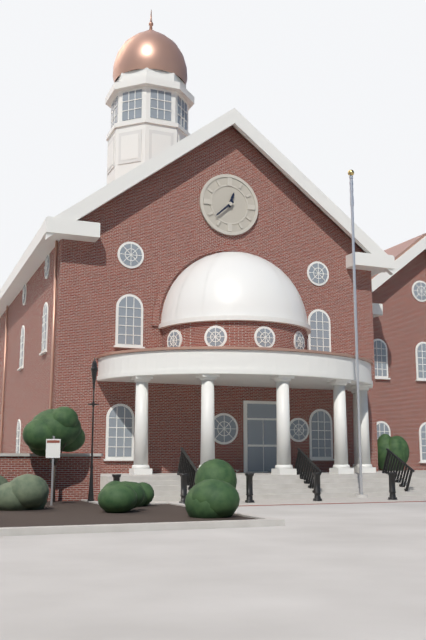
12:38
